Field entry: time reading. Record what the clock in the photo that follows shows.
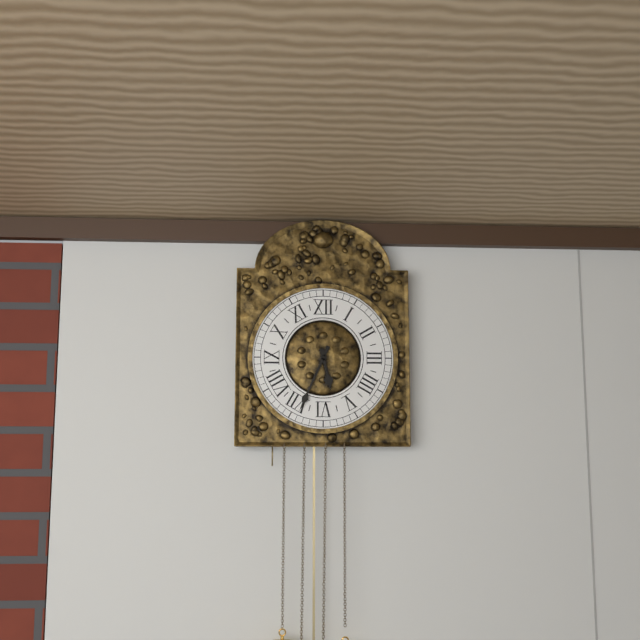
5:34
